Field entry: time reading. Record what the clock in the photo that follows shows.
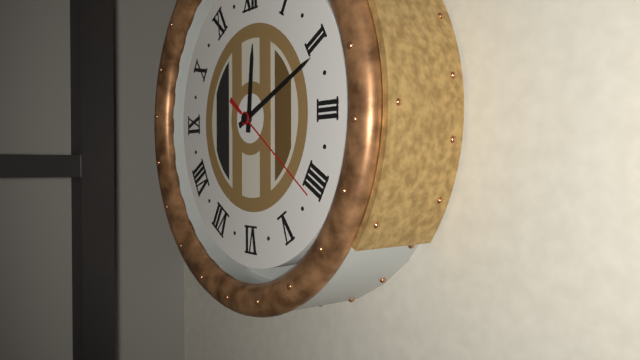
12:11:21
